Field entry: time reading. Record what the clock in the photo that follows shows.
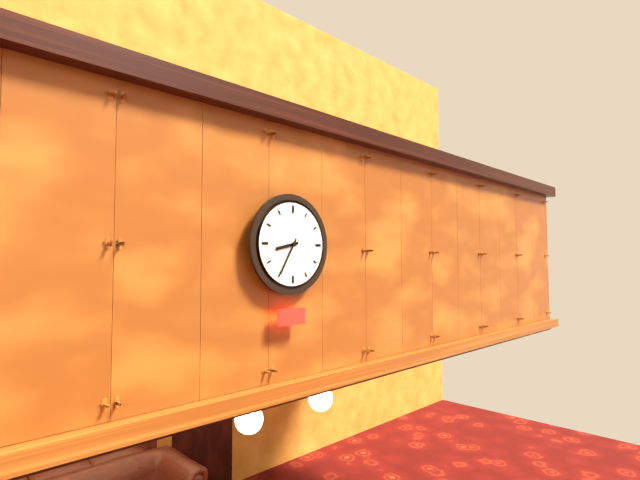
8:35
